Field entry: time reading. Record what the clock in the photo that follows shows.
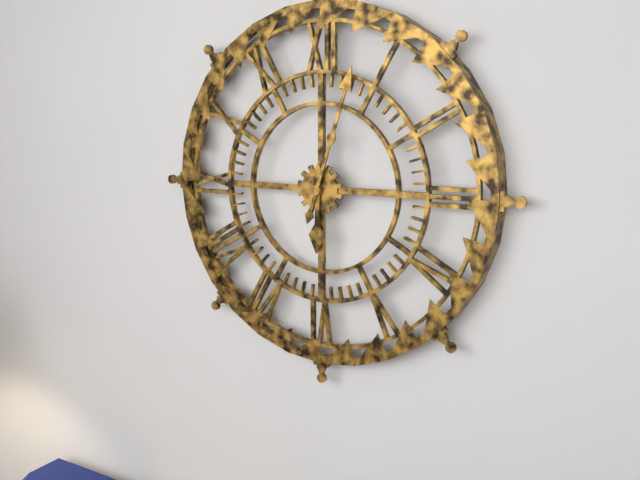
6:03
